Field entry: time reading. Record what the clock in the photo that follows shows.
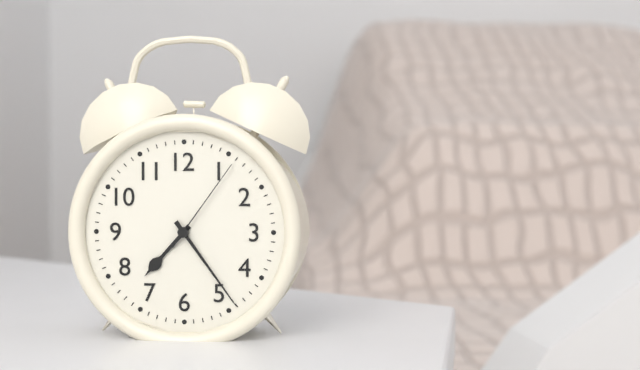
7:24:06
